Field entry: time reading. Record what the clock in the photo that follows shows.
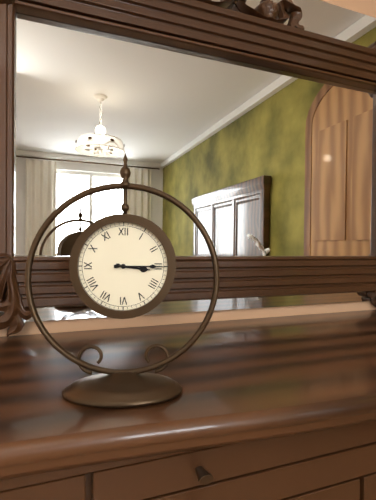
3:15
